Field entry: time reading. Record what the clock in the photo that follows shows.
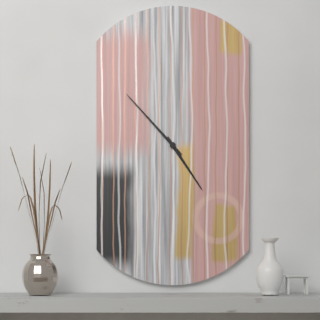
4:53
